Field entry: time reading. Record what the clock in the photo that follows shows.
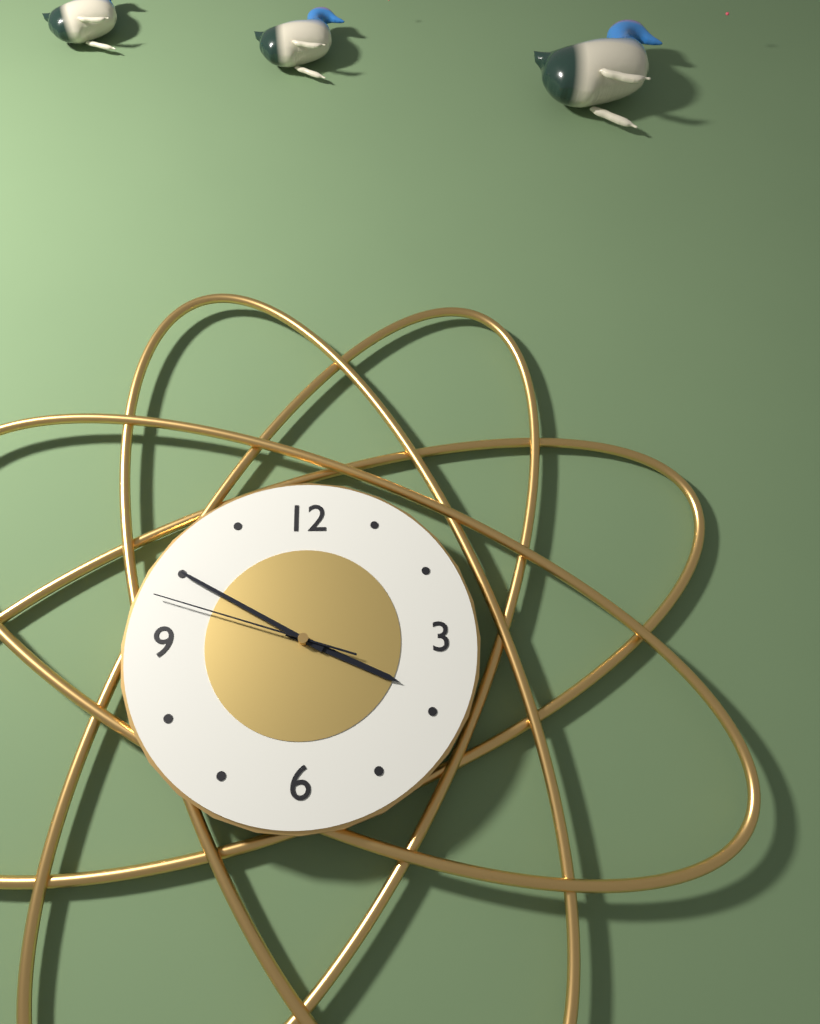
3:50:48
